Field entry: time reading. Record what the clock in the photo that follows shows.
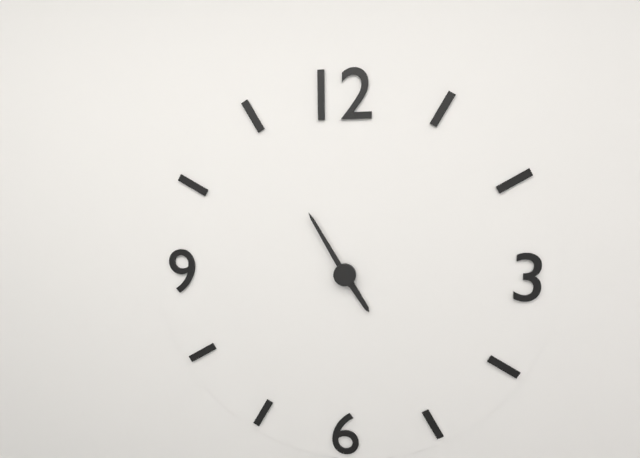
4:55
